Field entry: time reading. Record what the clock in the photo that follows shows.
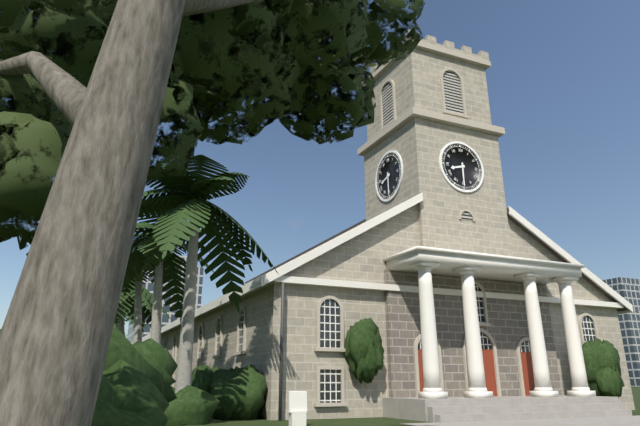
8:30
